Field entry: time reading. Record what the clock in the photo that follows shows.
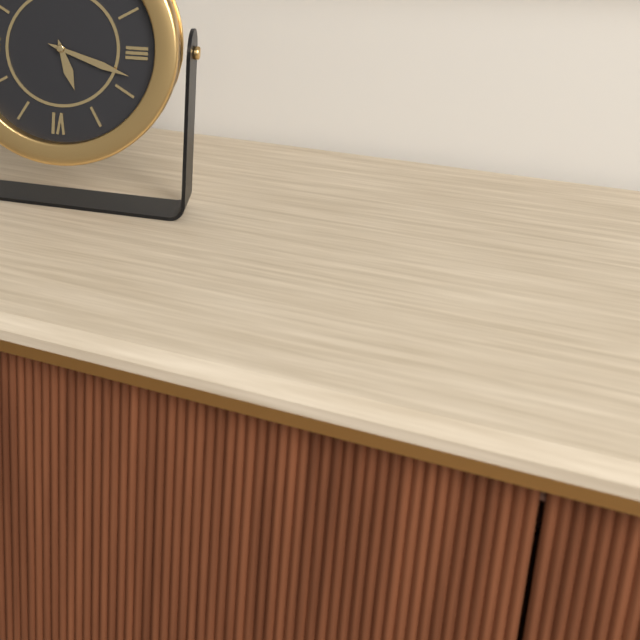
5:18
